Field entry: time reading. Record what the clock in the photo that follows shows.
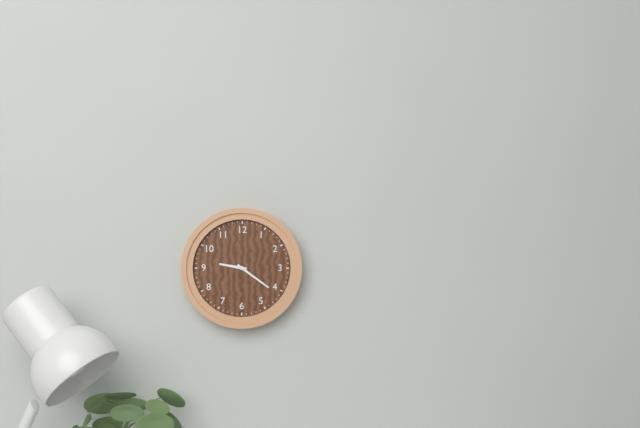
9:21
